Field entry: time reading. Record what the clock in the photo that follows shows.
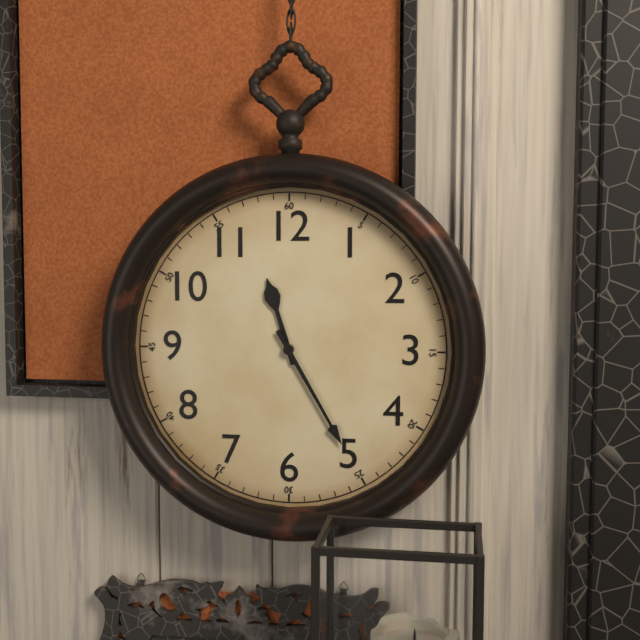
11:25
